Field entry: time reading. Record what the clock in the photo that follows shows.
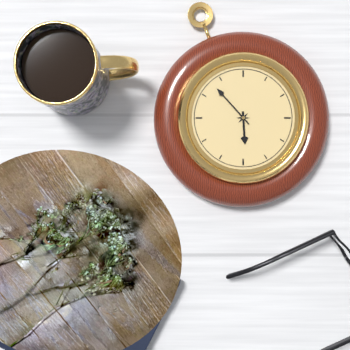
5:53
